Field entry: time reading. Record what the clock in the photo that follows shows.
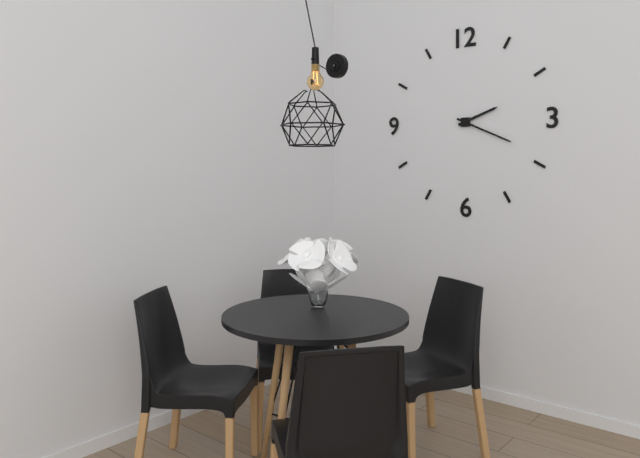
2:19
